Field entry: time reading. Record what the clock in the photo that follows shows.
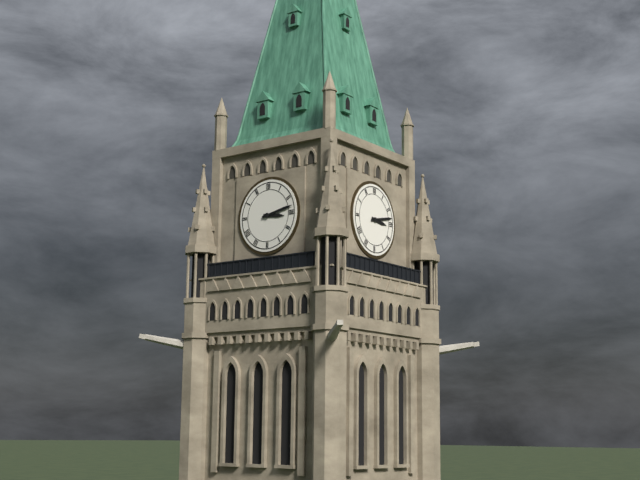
3:13
